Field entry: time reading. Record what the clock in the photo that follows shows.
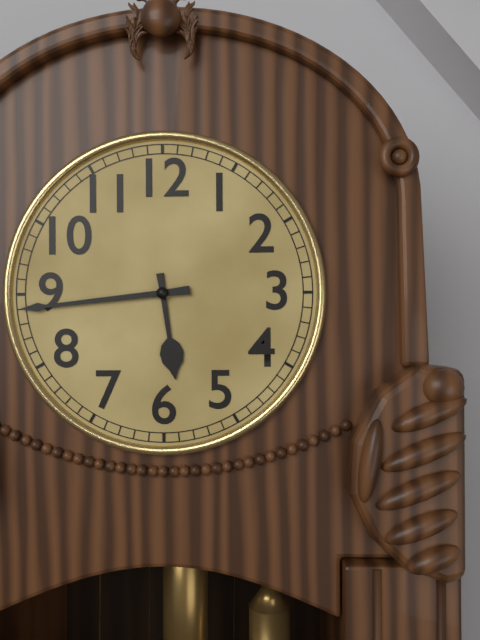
5:44
